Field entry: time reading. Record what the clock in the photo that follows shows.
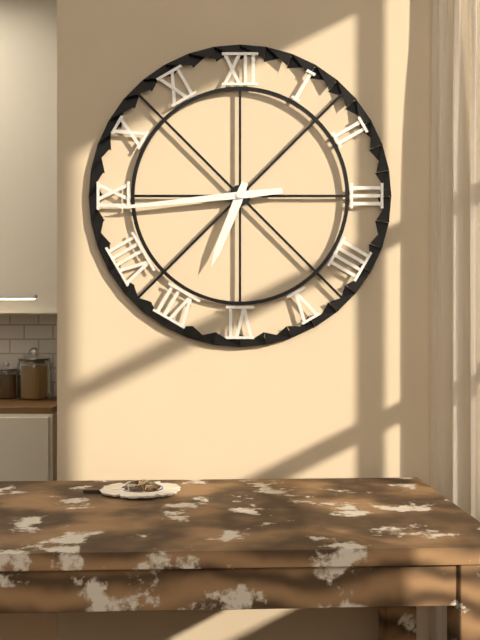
6:44
